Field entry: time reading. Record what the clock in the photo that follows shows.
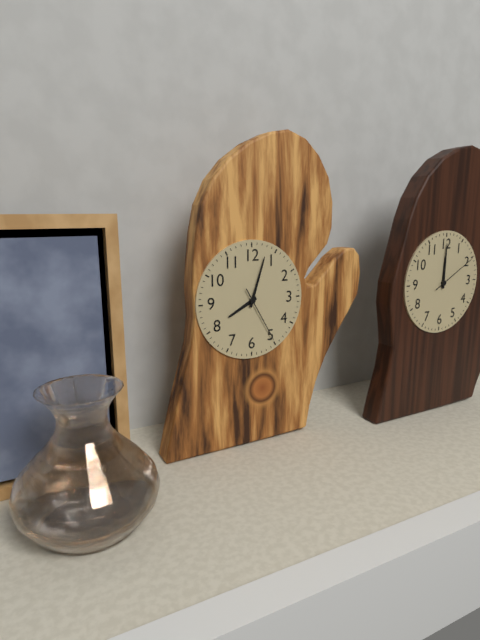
8:03:25
